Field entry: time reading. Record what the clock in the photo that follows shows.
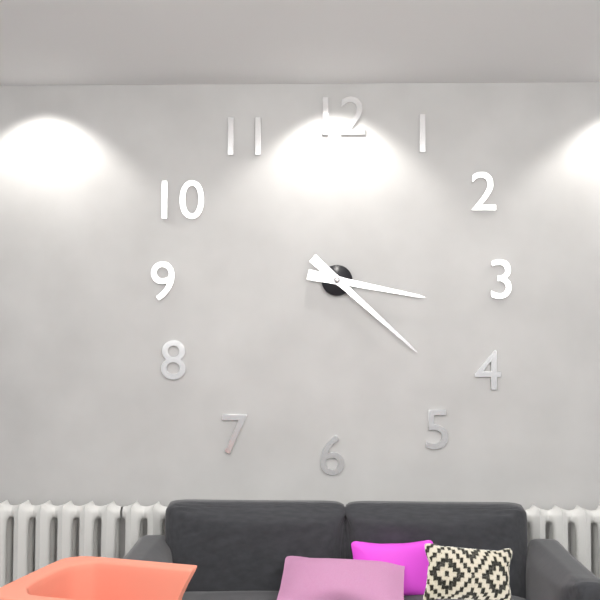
3:22
